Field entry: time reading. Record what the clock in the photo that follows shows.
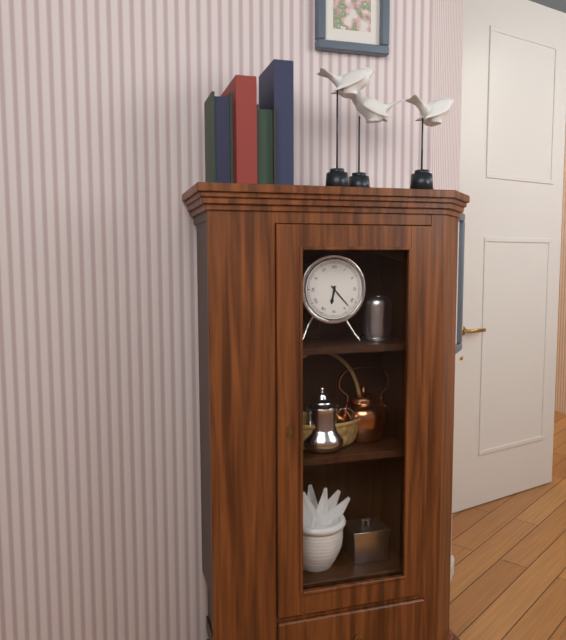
6:23
